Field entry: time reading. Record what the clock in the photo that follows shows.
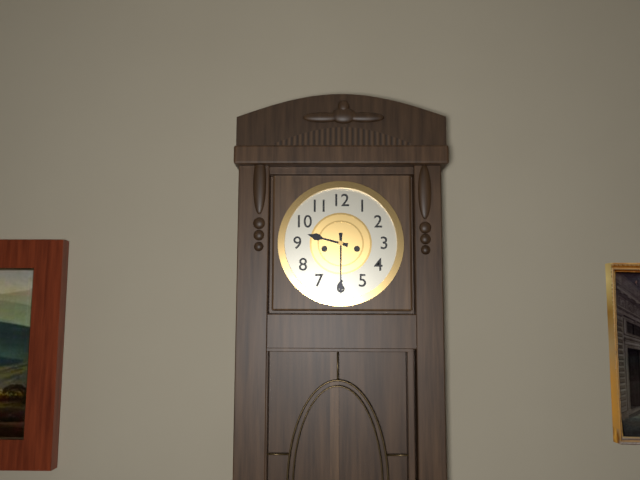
9:30
